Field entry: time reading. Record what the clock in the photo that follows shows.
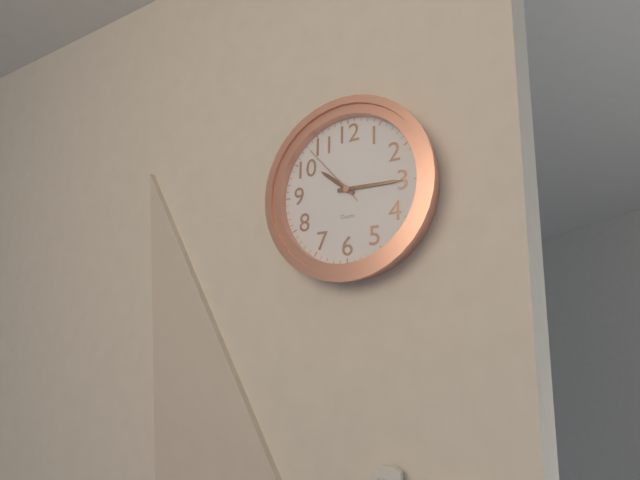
10:15:53
